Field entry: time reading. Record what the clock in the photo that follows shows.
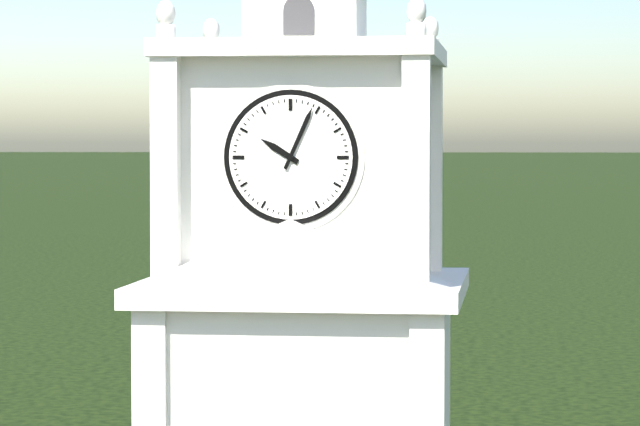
10:04
